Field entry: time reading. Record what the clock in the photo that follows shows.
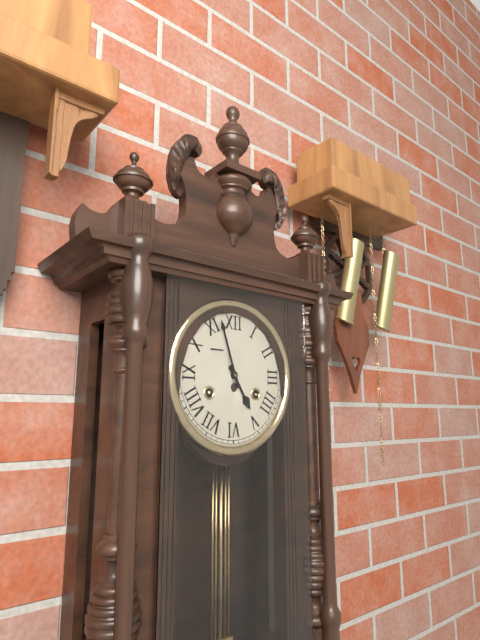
4:57
